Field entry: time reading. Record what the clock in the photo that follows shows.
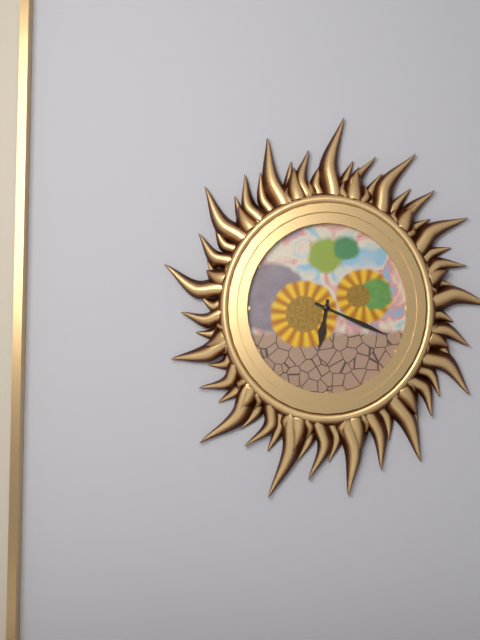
6:19
